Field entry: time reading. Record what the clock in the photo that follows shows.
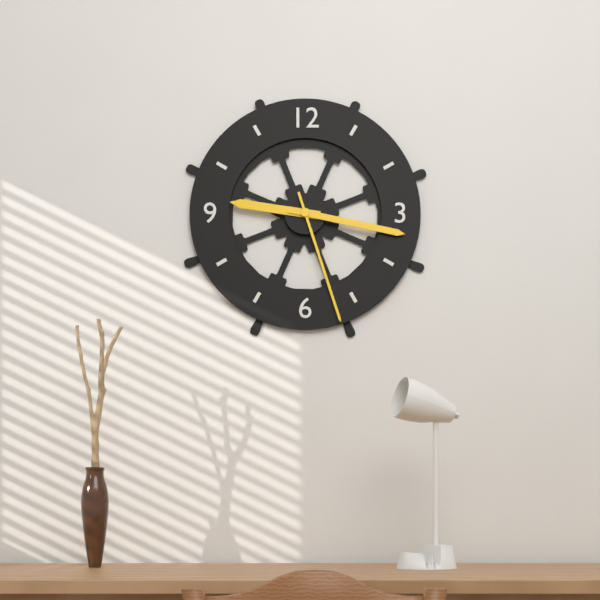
9:17:27
